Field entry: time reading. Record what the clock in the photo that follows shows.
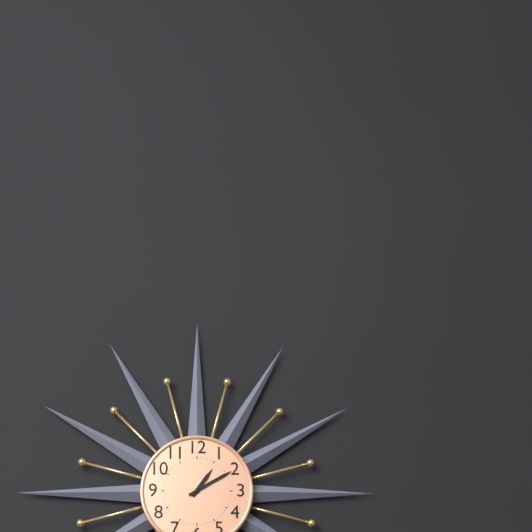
1:10
